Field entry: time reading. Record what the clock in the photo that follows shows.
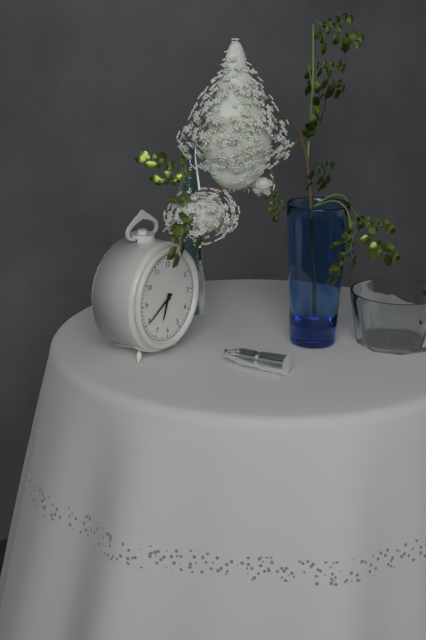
6:40
